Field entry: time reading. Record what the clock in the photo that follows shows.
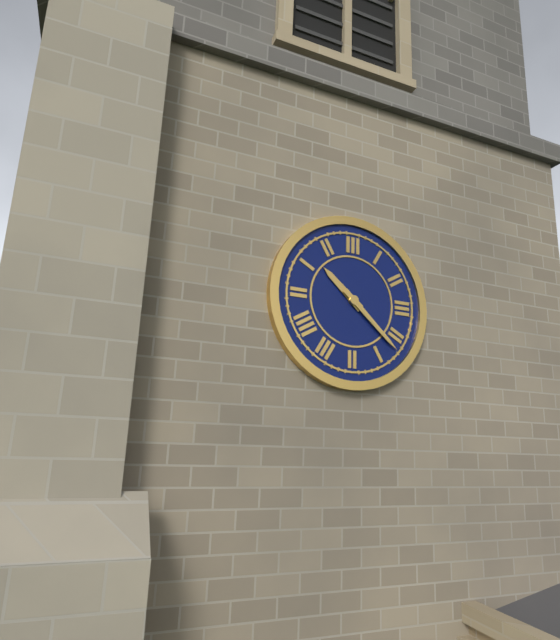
10:22
